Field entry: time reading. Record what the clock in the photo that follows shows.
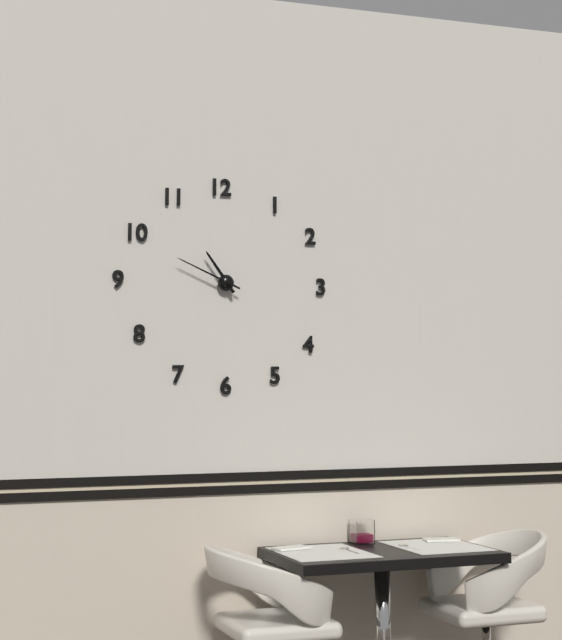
10:49
